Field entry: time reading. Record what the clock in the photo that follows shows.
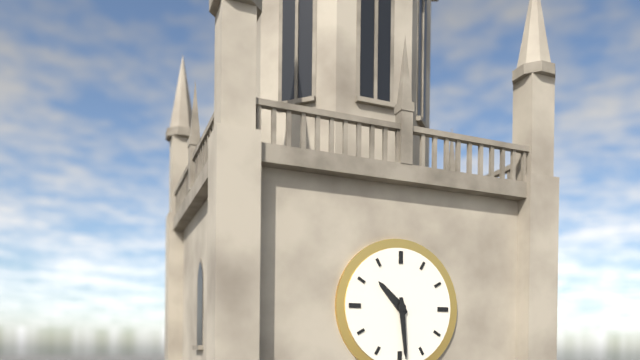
10:29
